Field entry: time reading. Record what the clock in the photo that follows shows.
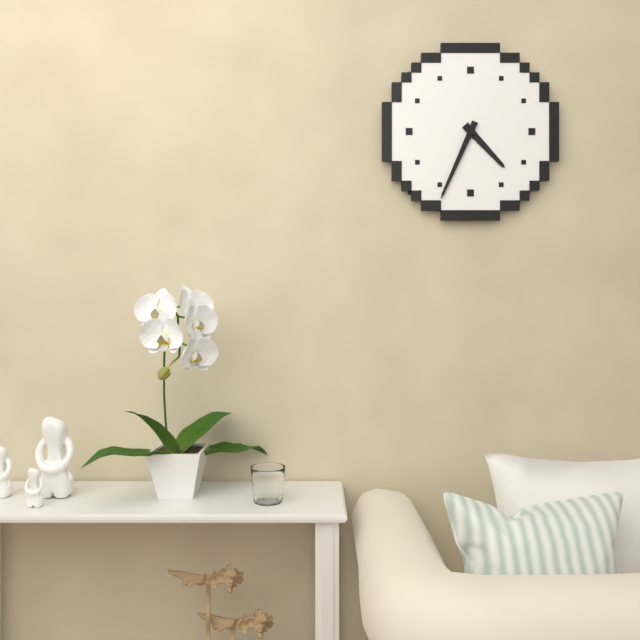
4:34
